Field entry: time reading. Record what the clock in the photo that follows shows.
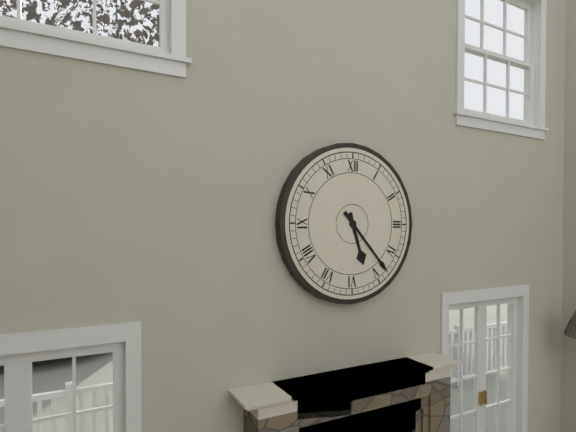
5:23
